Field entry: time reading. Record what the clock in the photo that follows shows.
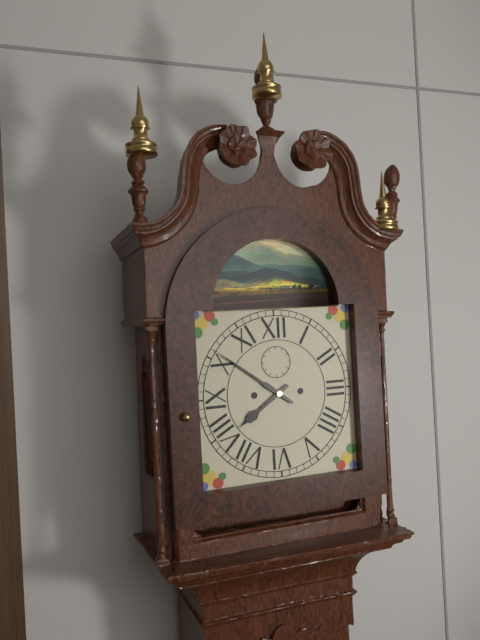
7:51
